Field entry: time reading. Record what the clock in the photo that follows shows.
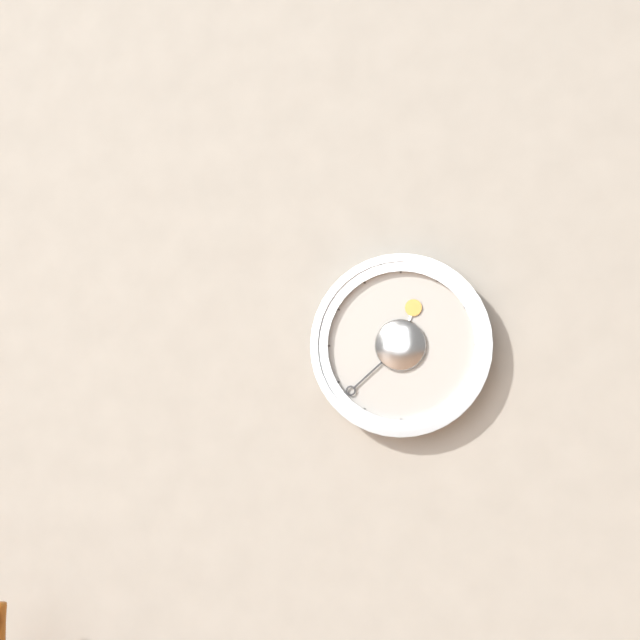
12:38
